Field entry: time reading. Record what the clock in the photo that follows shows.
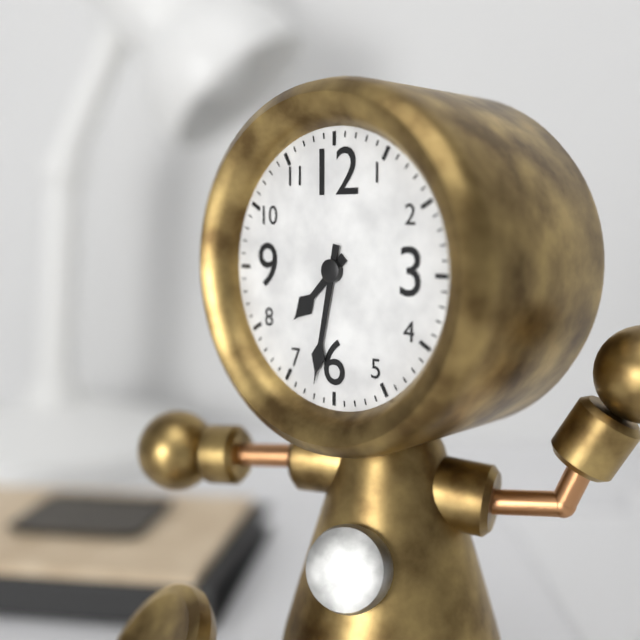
7:32
